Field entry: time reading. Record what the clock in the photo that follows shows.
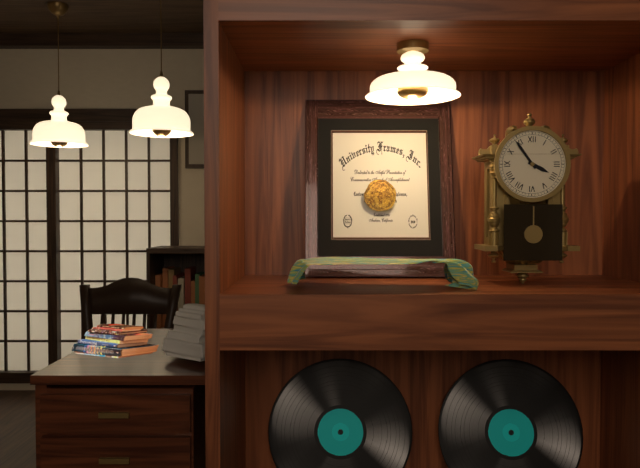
3:54
